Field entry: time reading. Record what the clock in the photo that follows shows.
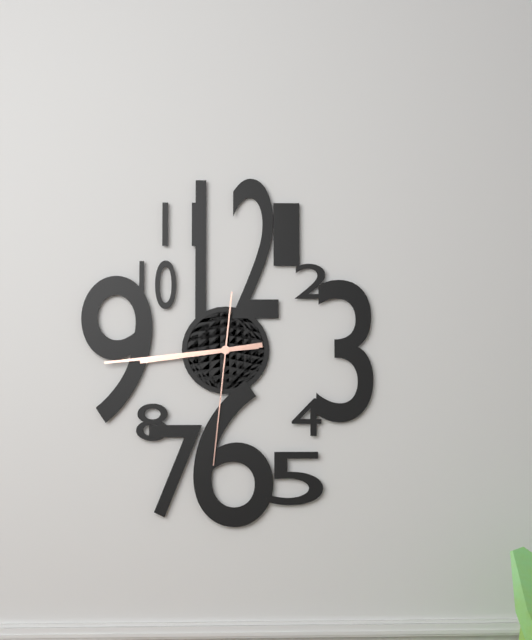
8:44:31
